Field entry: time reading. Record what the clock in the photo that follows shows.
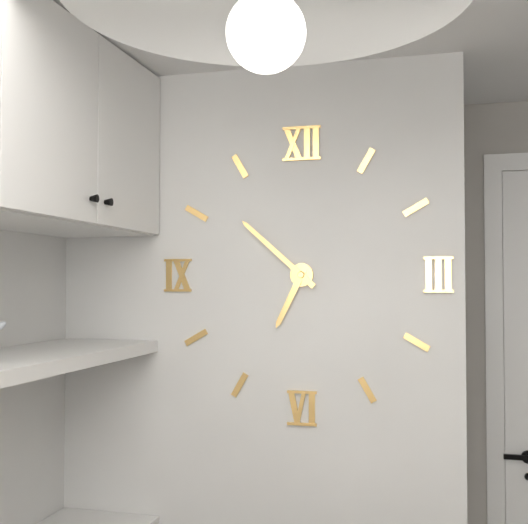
6:52
